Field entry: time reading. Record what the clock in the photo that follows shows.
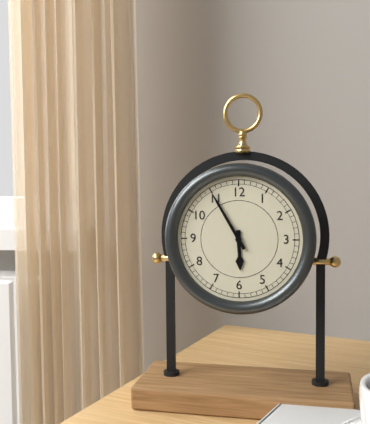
5:55
